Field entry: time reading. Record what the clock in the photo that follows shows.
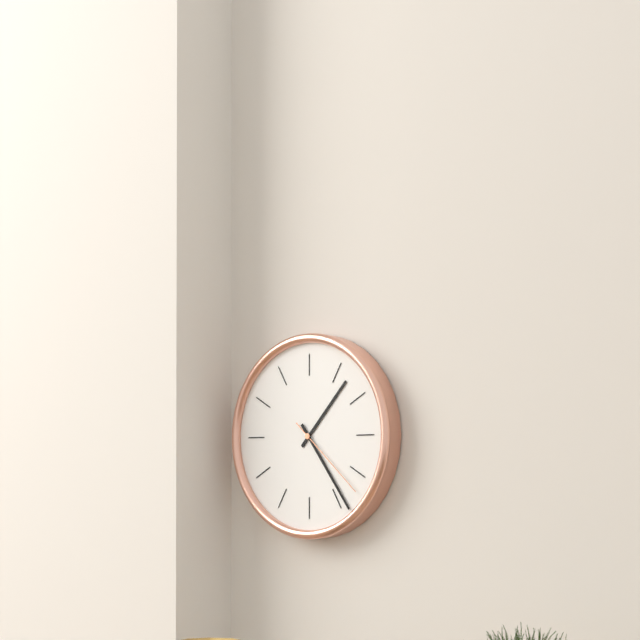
1:24:22
